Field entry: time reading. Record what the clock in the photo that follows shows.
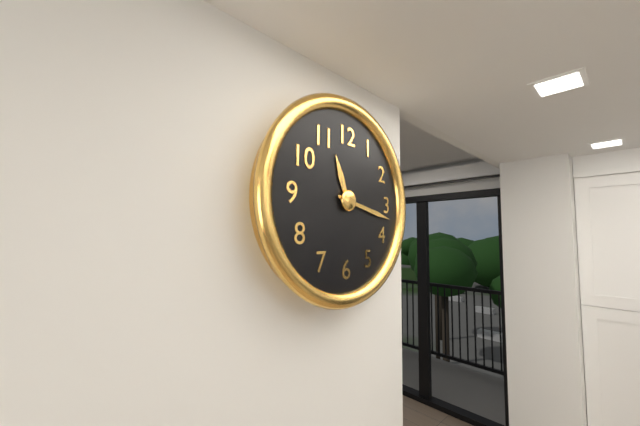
11:17
